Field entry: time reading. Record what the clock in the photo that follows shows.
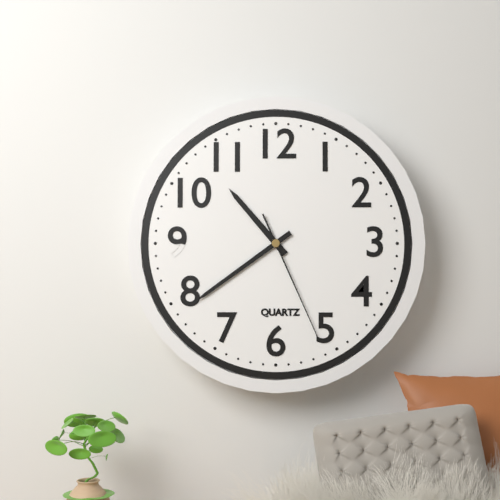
10:39:26
